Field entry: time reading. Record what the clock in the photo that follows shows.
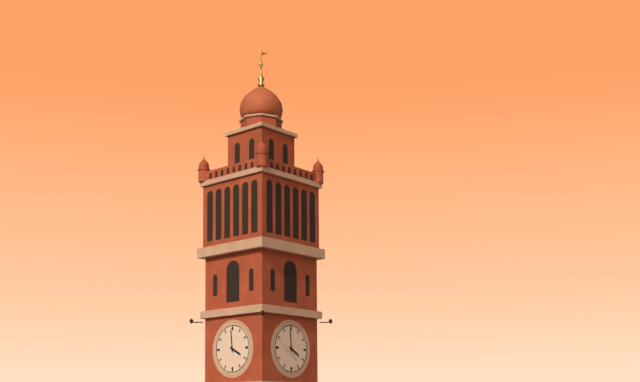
3:59
